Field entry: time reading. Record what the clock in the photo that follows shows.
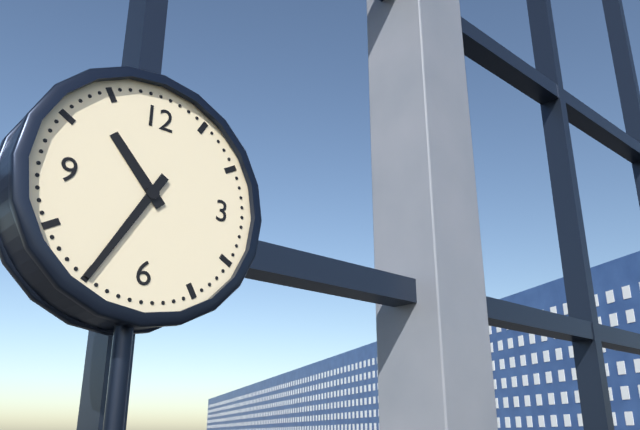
10:35
